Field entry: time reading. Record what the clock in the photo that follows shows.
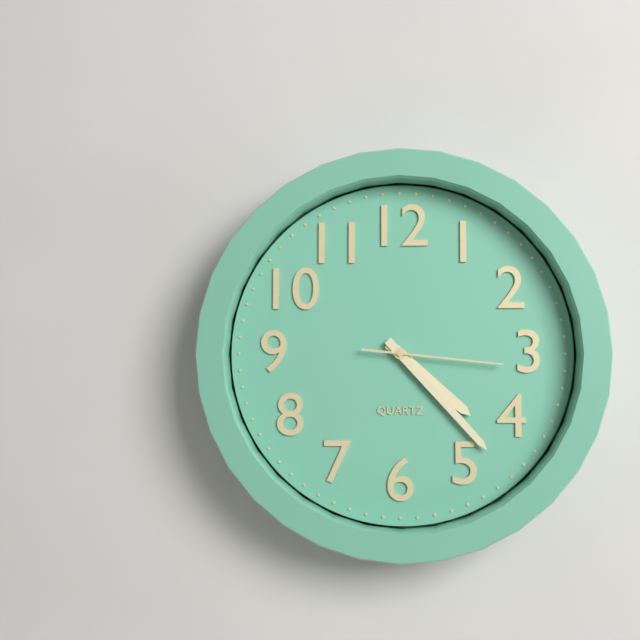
4:23:16
